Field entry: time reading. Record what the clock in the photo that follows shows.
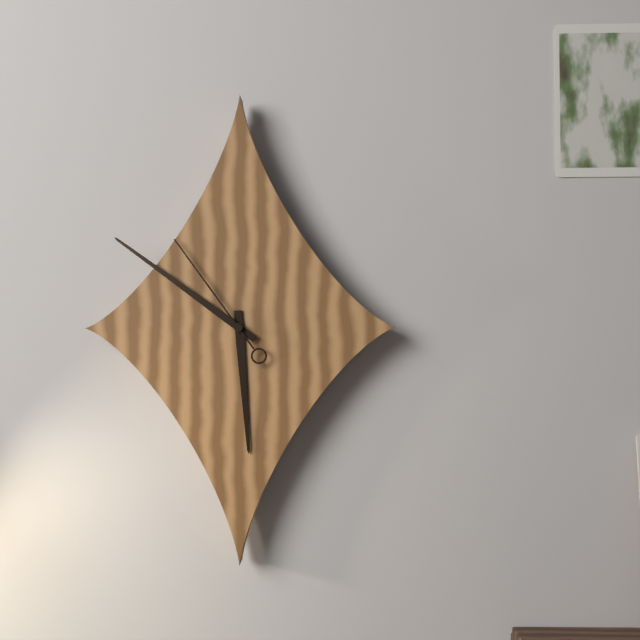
5:51:54
